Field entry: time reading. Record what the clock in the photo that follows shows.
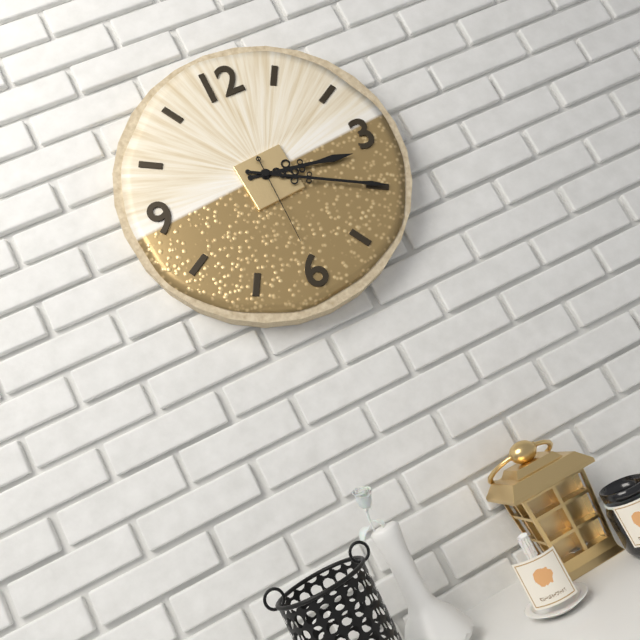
3:20:30
